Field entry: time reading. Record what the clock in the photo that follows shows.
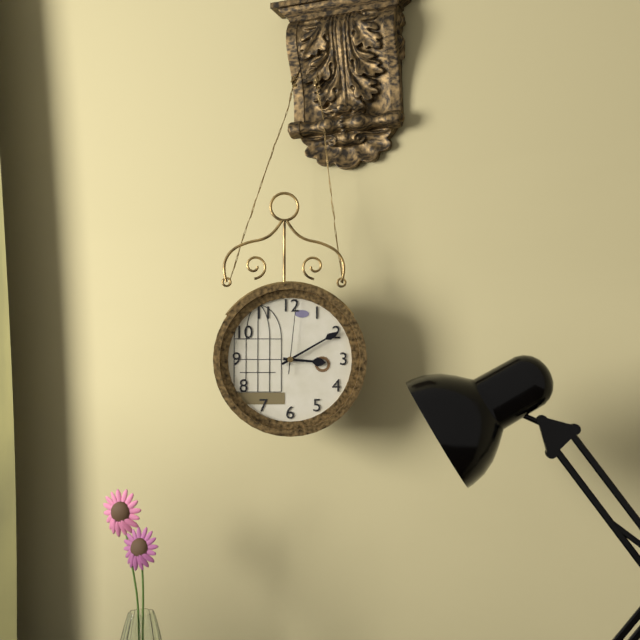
3:10:01
